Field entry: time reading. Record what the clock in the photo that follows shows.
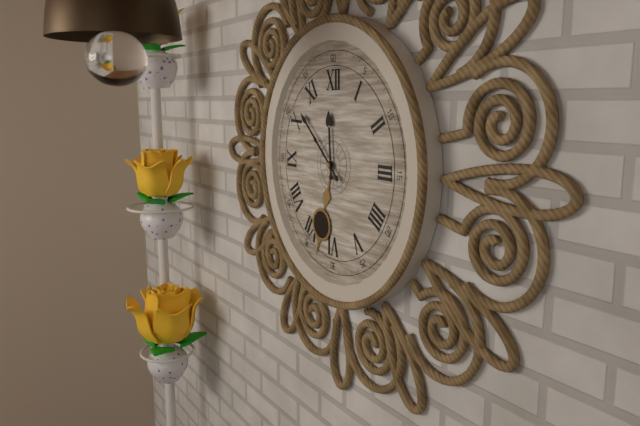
11:52
